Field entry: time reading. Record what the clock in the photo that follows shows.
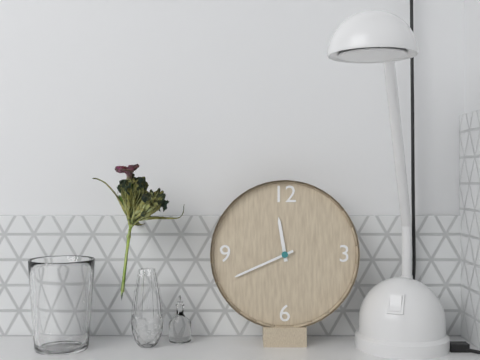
11:41
